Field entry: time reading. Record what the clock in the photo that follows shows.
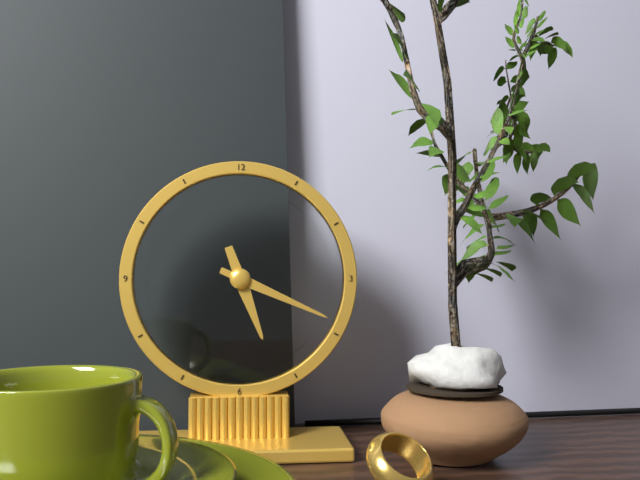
5:19
